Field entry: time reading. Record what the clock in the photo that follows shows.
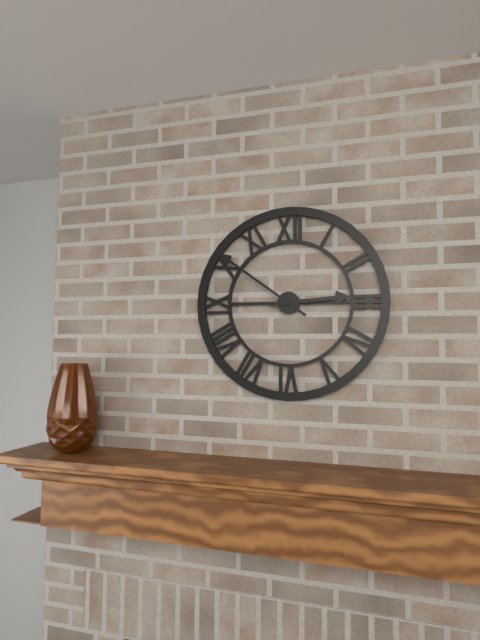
2:51
